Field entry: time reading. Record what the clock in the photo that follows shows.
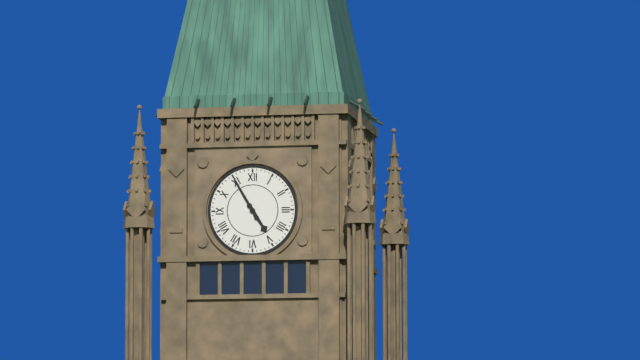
4:55
